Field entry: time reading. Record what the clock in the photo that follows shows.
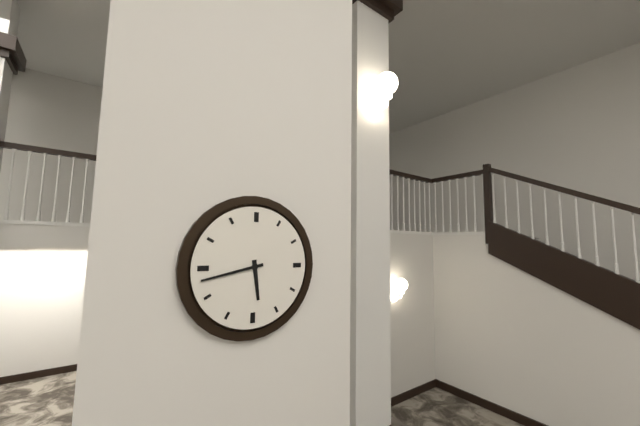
5:43
